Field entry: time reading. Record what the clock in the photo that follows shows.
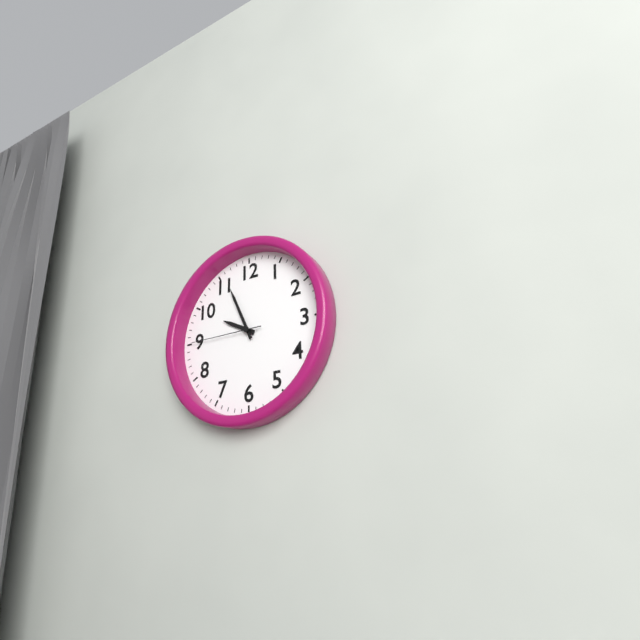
9:56:45
